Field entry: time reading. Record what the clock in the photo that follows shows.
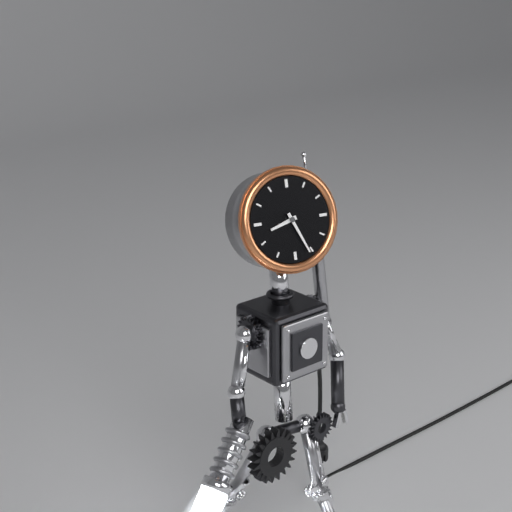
8:26
